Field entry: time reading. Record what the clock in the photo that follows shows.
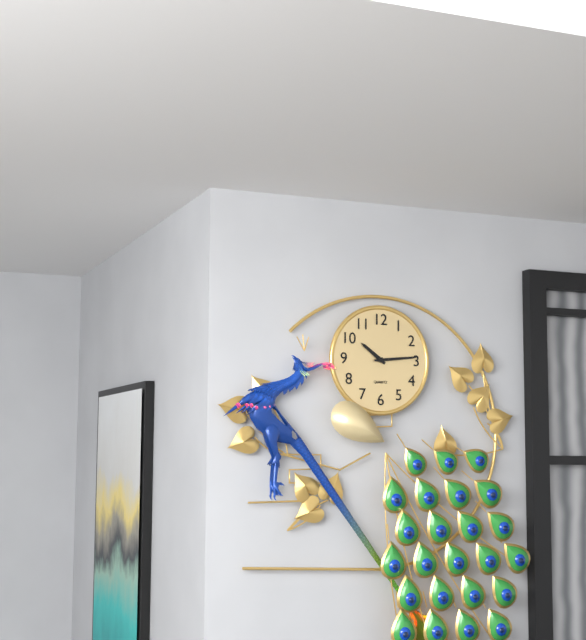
10:14
